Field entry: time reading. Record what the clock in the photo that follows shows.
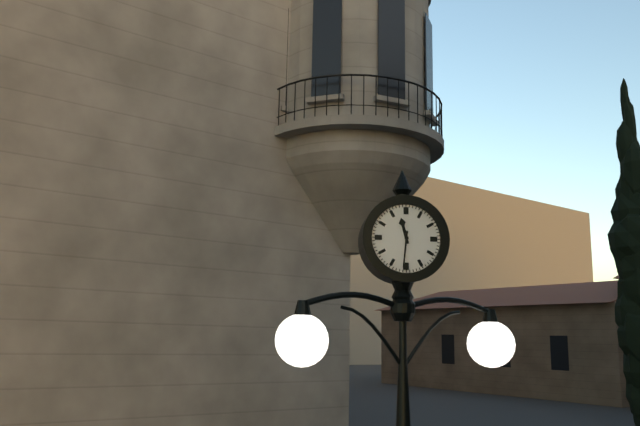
11:31
